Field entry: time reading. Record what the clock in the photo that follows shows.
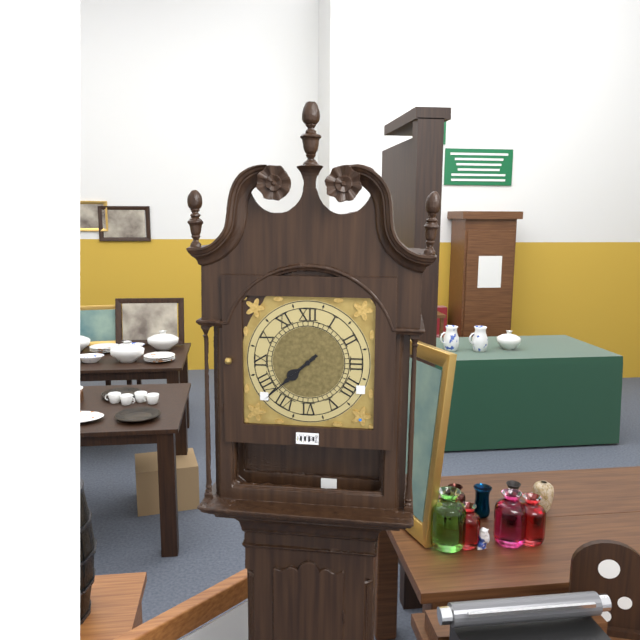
7:38
